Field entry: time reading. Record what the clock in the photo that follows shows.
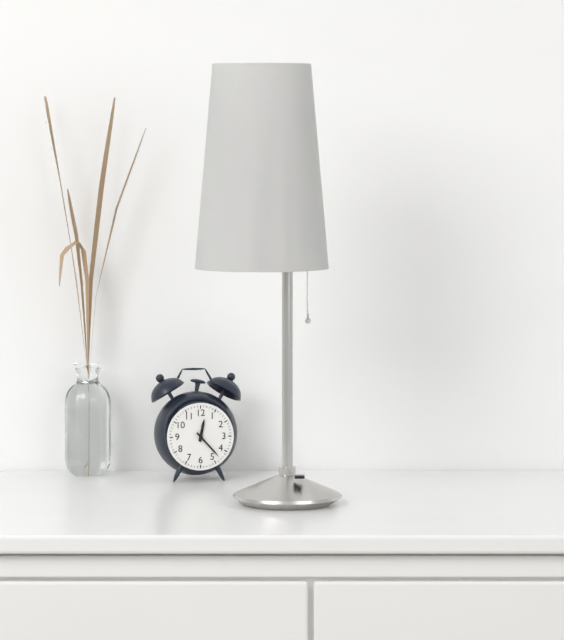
12:23
